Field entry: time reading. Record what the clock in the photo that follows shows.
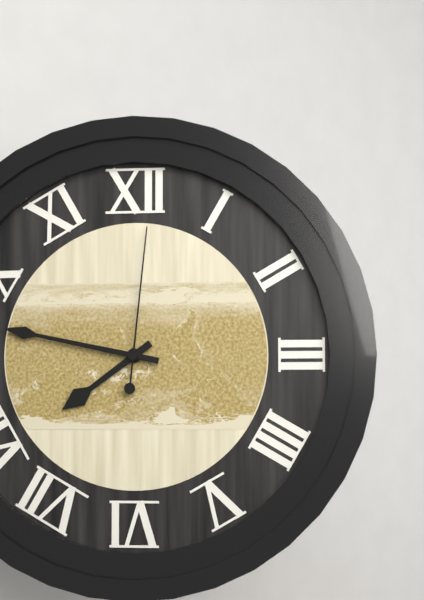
7:47:01
